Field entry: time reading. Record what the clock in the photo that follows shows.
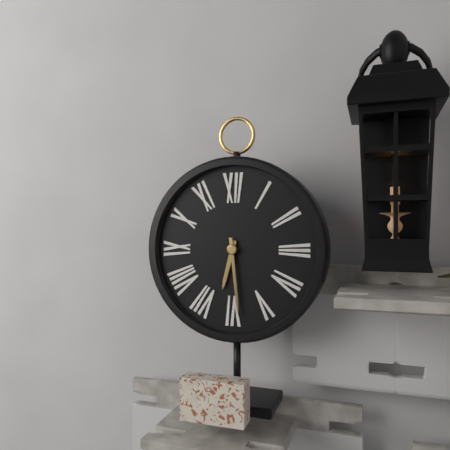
6:29
